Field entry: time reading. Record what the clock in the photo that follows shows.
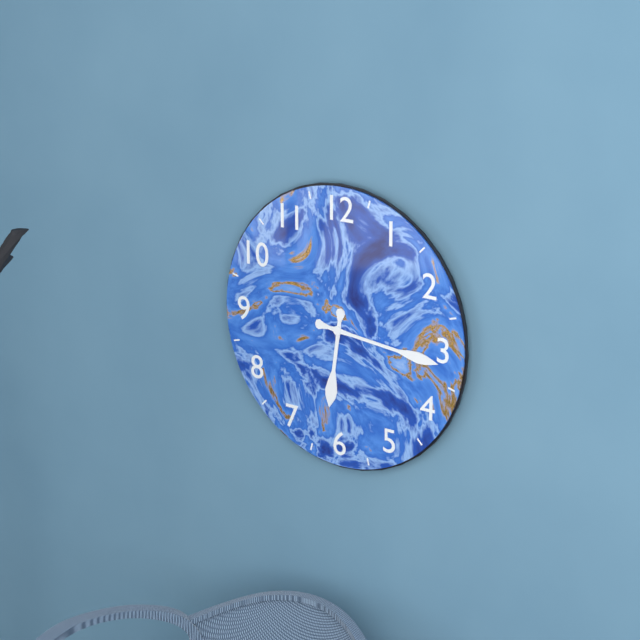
6:16
